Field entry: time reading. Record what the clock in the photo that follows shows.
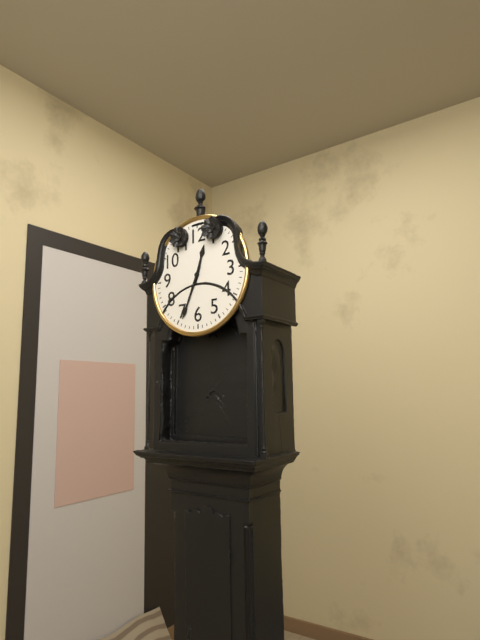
12:34
